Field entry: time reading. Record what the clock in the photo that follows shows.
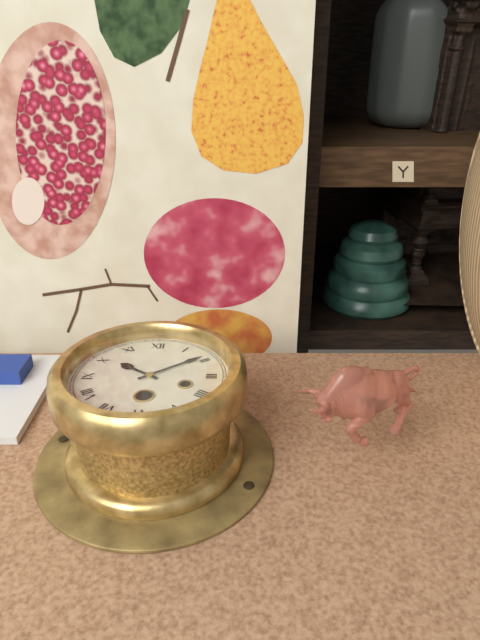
10:09
